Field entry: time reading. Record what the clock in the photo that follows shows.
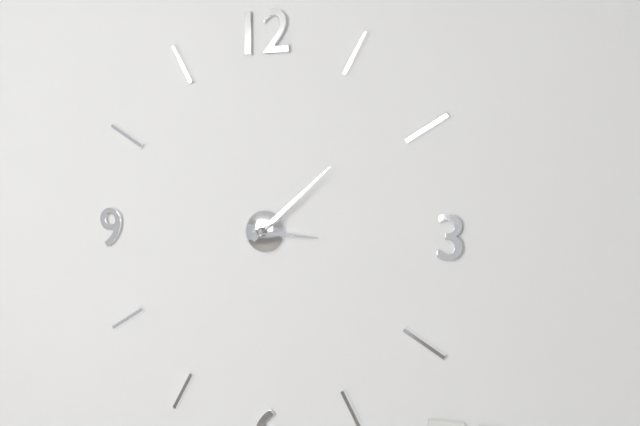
3:08
